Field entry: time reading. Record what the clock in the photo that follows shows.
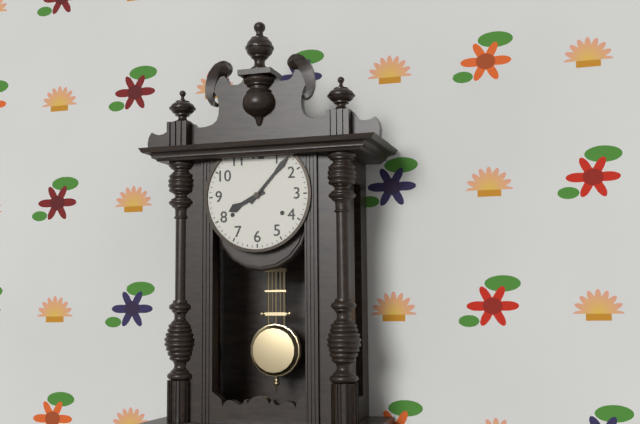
8:07
